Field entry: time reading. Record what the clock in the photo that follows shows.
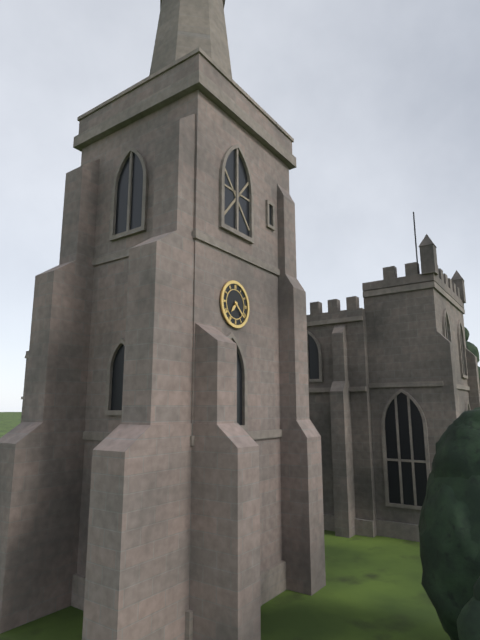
7:22
